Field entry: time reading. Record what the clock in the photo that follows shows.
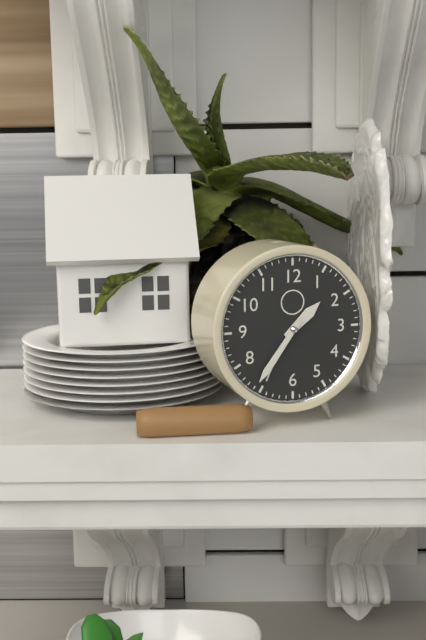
1:36
